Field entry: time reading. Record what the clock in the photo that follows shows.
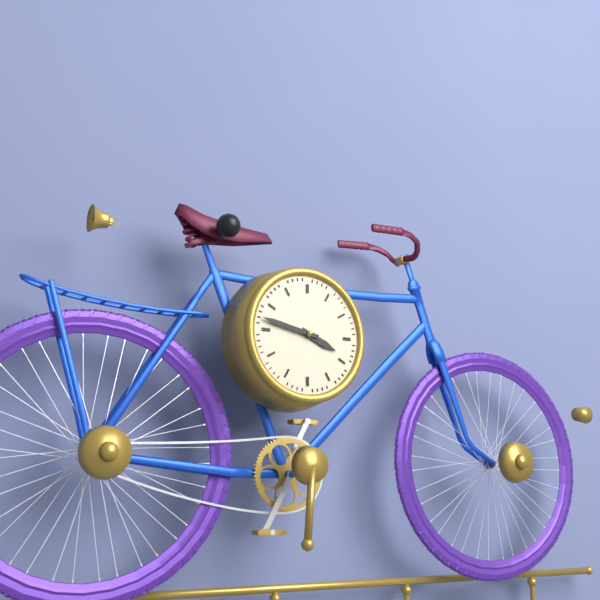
3:47
